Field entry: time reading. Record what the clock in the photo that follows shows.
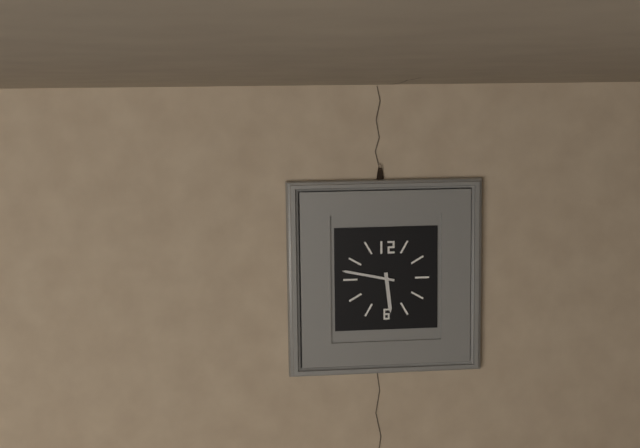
5:47
